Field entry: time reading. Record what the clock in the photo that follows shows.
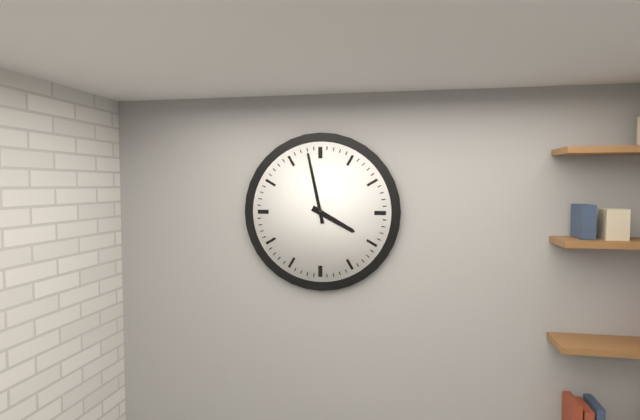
3:58
